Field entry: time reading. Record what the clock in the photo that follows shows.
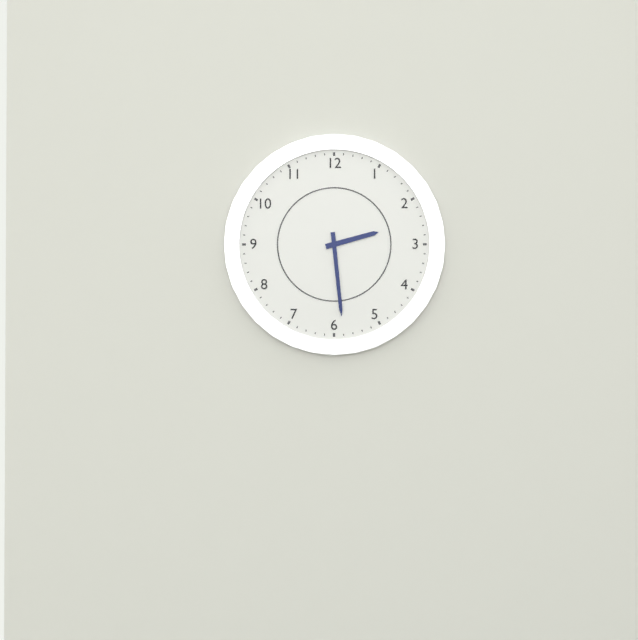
2:29
